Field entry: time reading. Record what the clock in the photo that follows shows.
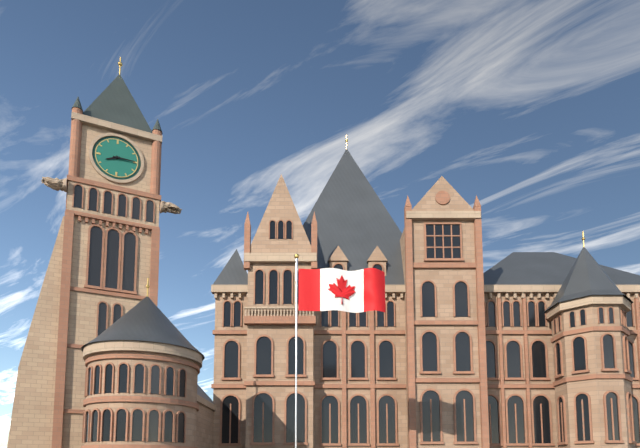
8:15
